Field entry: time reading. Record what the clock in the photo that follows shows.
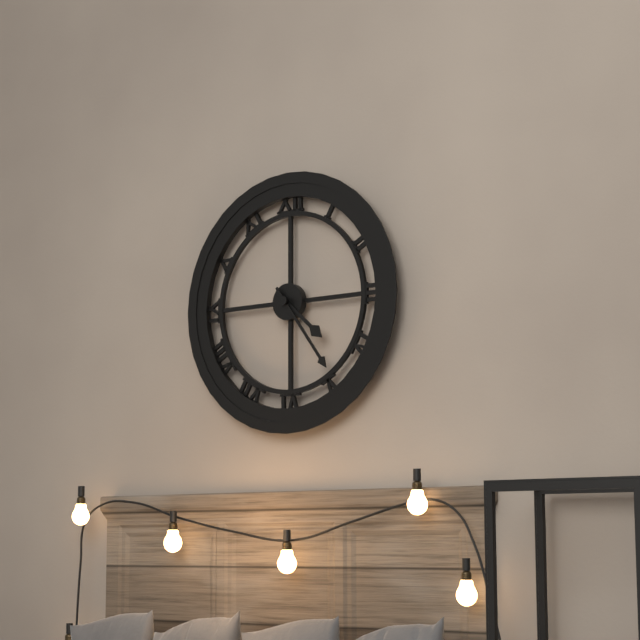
4:24
